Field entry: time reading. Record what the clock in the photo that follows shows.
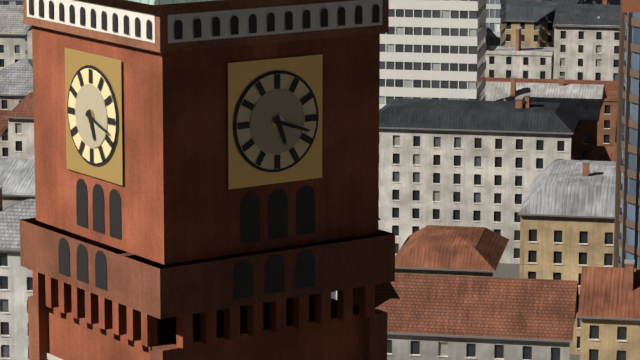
5:18
